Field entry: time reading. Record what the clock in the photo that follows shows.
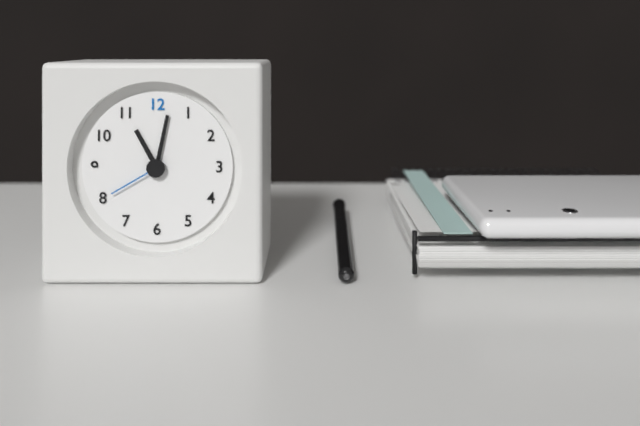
11:02:40
